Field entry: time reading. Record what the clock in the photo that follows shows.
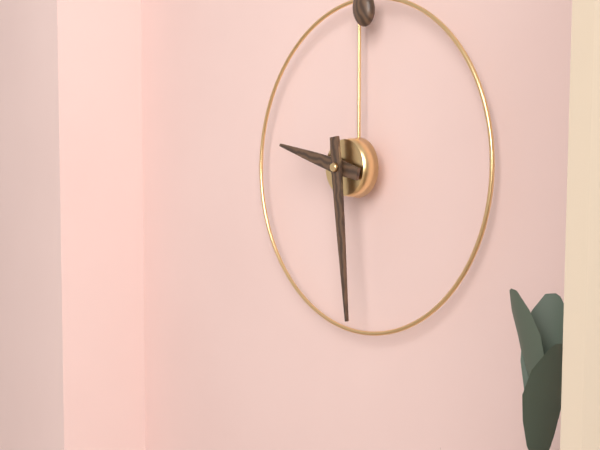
9:29
